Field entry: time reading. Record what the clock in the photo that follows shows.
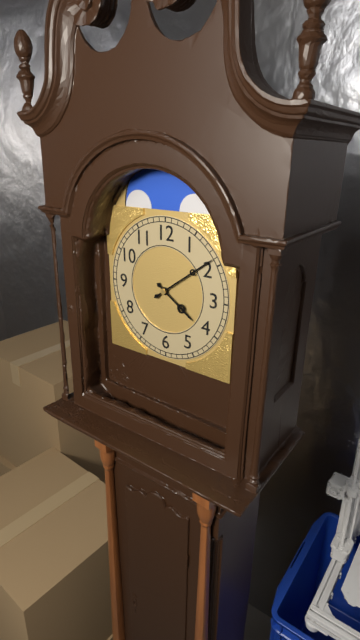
4:09
